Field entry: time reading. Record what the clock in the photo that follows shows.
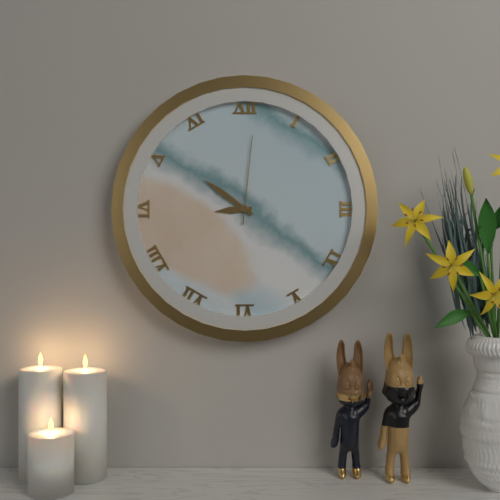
8:51:01
